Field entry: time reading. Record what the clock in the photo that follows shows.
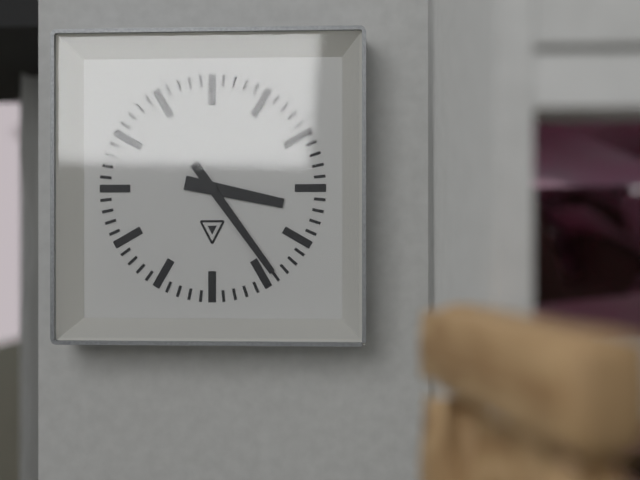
3:24
